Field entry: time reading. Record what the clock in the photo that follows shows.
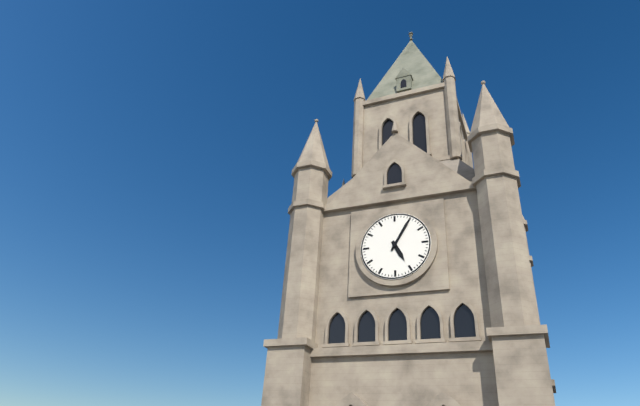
5:05
